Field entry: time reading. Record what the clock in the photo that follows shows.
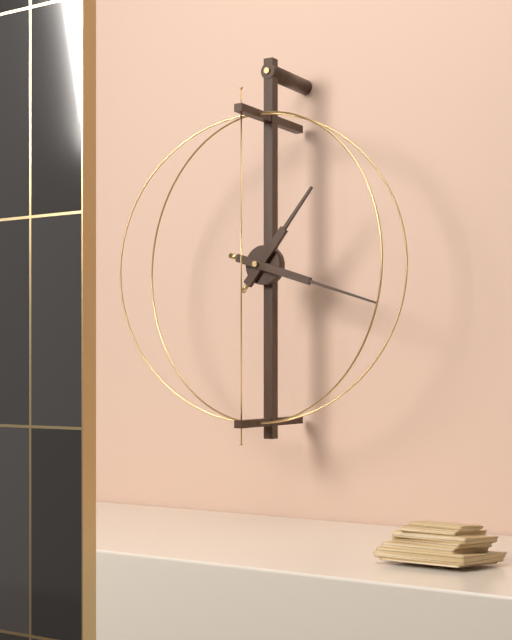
1:18
